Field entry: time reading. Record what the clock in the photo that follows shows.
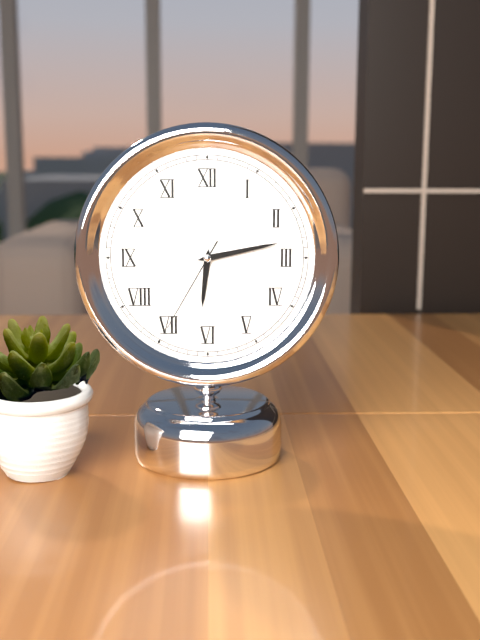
6:13:35
